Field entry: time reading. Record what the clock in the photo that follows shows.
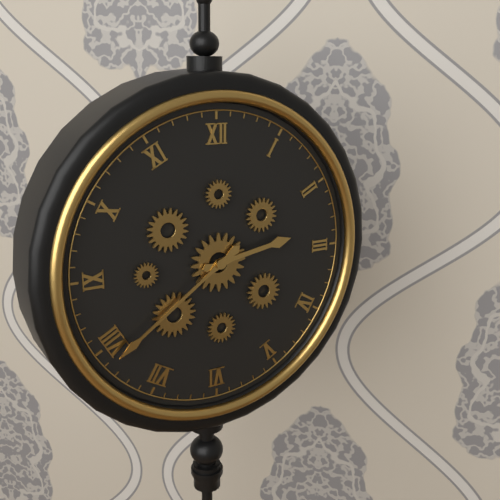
2:39
